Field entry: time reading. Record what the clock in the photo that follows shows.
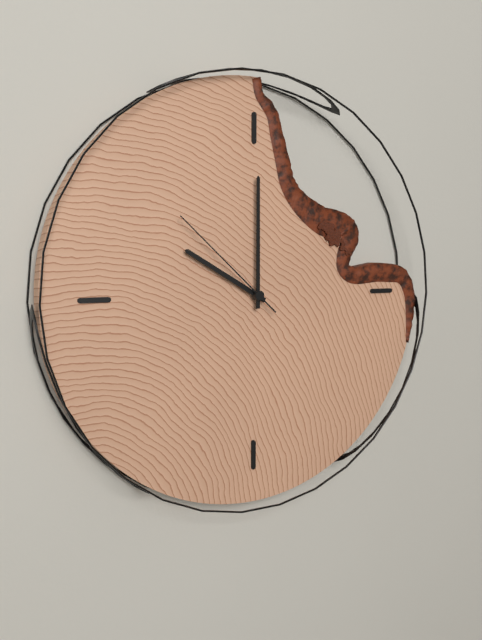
10:00:52
